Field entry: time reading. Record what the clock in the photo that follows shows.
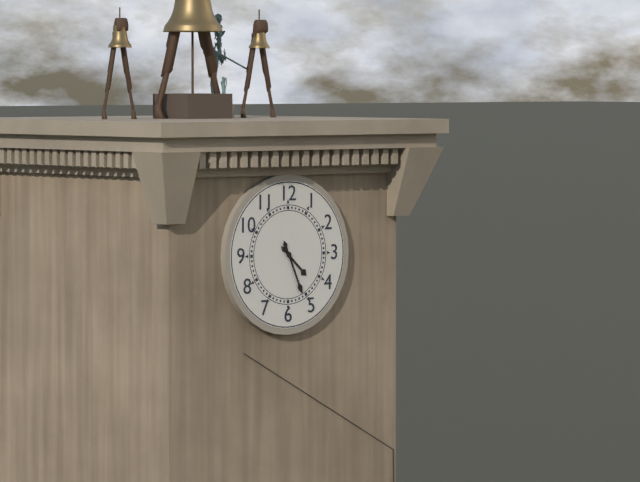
4:26
